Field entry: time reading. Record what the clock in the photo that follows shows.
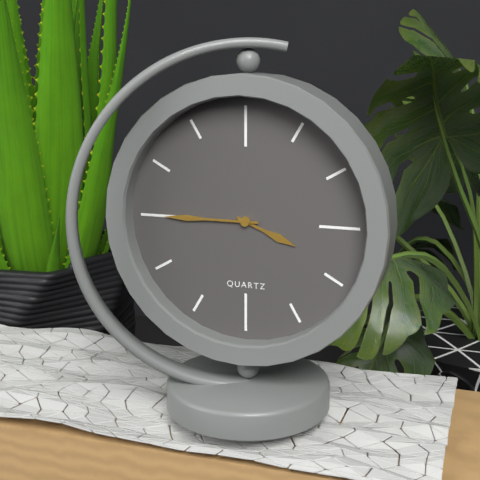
3:45
